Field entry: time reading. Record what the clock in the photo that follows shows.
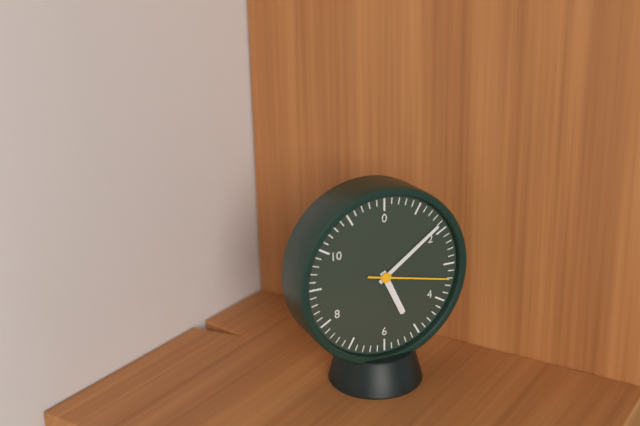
5:09:17
